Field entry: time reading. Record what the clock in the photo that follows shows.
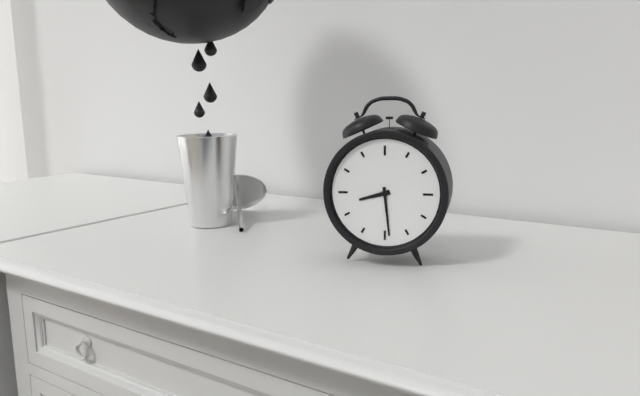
8:29
